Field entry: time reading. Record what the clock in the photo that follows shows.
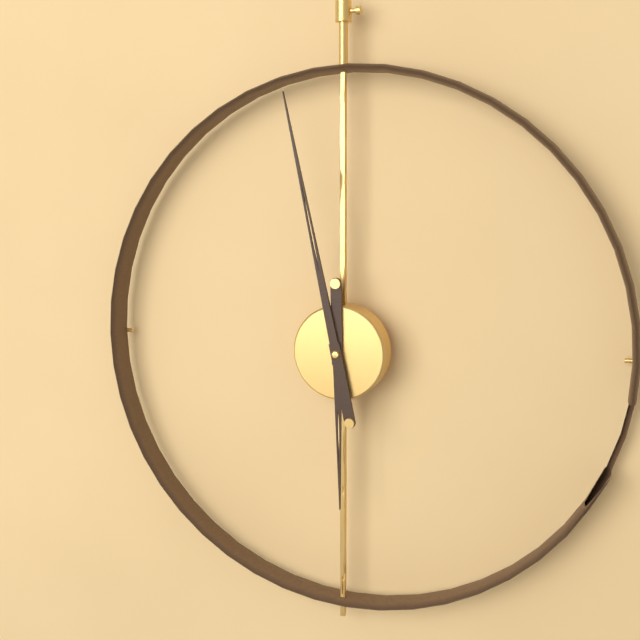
5:58
